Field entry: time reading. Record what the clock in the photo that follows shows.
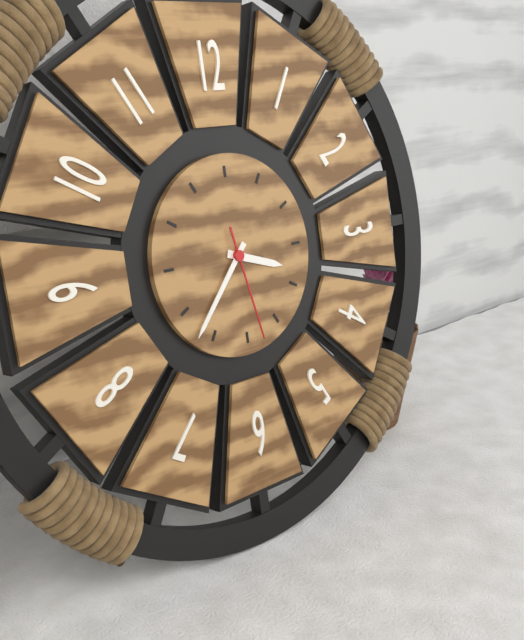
3:37:28
